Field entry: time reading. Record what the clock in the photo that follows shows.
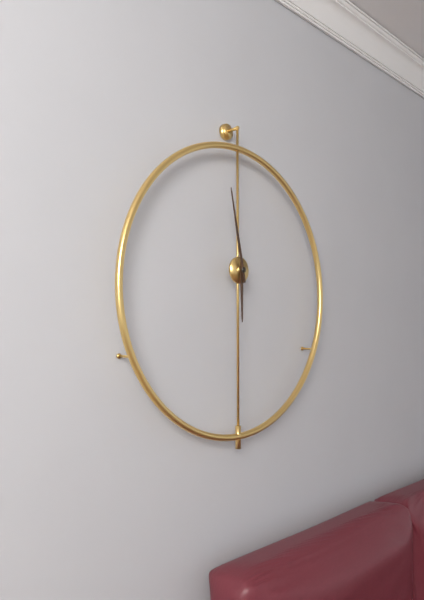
5:58
